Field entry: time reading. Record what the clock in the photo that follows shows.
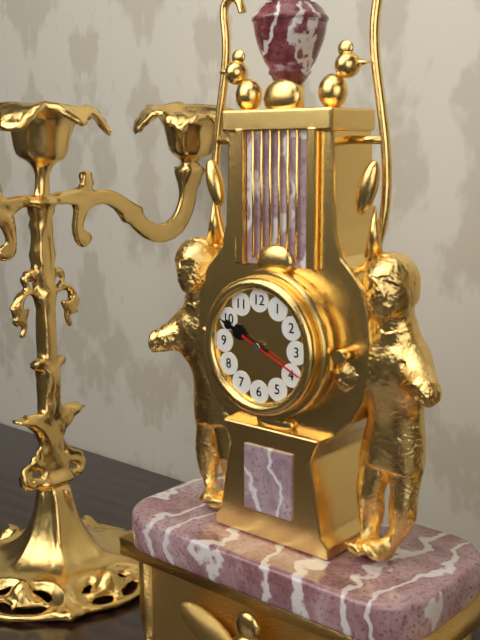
9:49:19
